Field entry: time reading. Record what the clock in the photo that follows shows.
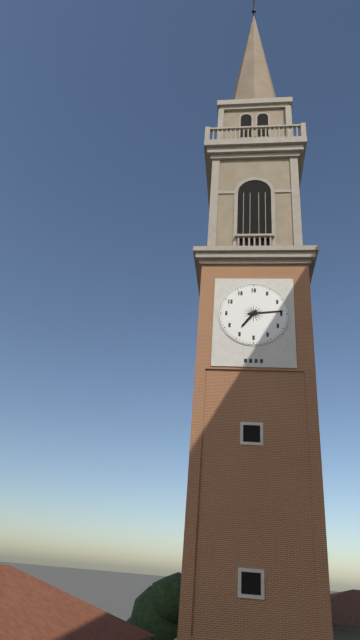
7:14
